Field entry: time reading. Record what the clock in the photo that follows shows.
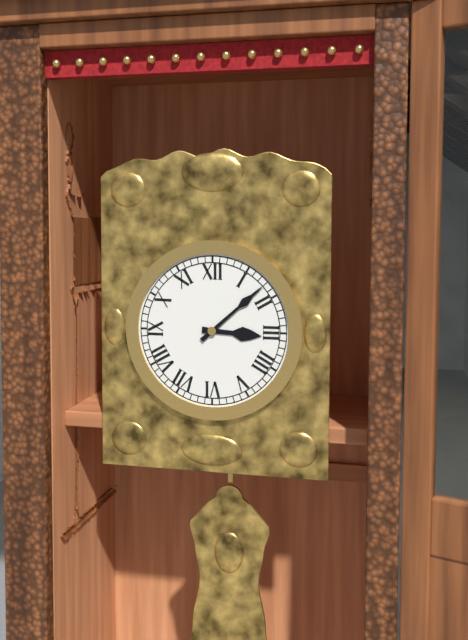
3:08
